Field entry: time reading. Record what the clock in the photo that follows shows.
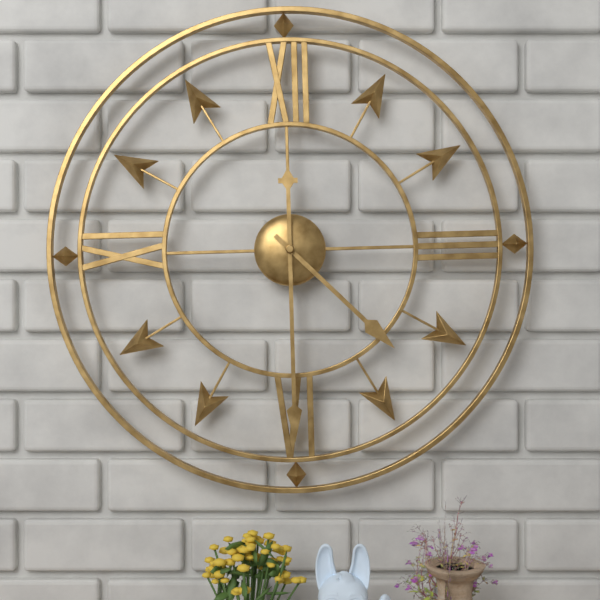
4:30
